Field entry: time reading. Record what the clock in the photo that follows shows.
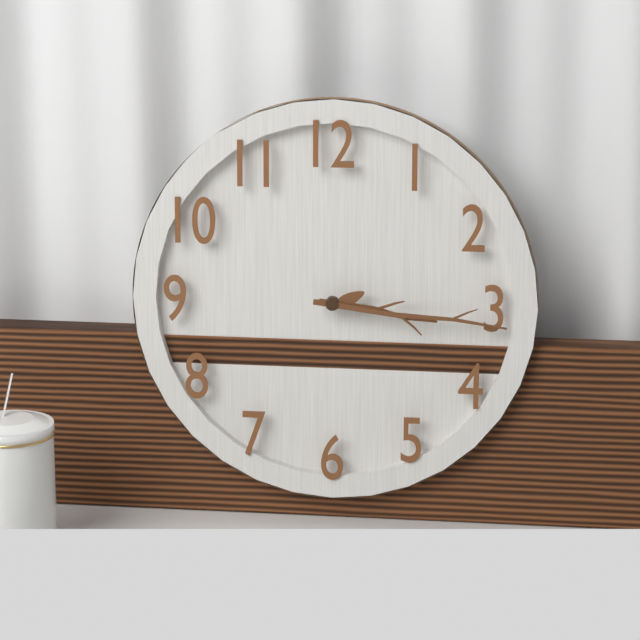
3:16
